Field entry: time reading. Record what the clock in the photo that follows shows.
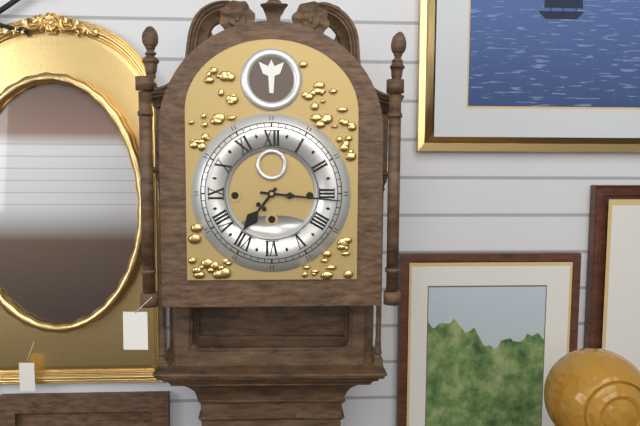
7:16
